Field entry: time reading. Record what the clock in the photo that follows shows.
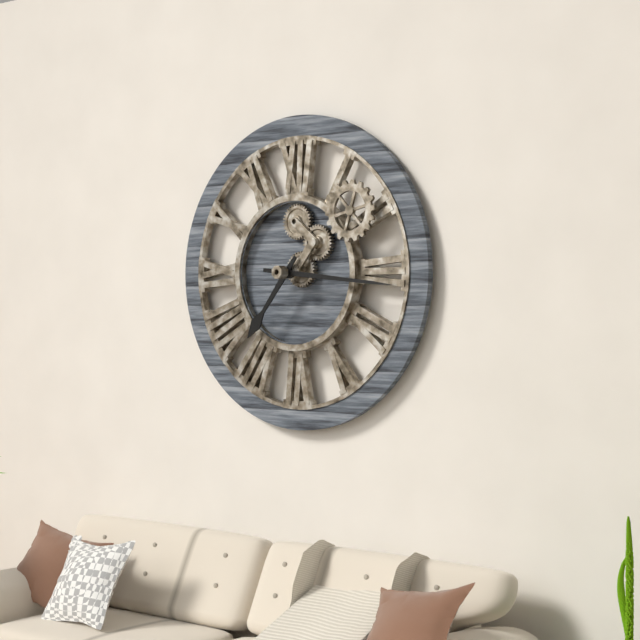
7:16
